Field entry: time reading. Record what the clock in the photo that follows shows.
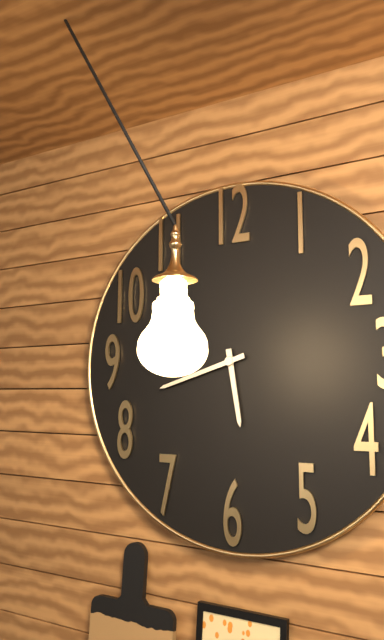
5:42
